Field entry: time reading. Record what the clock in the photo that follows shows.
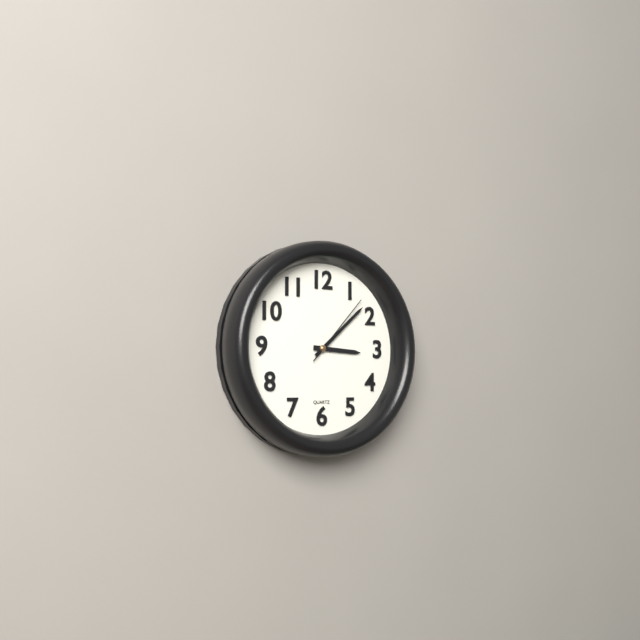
3:08:07
